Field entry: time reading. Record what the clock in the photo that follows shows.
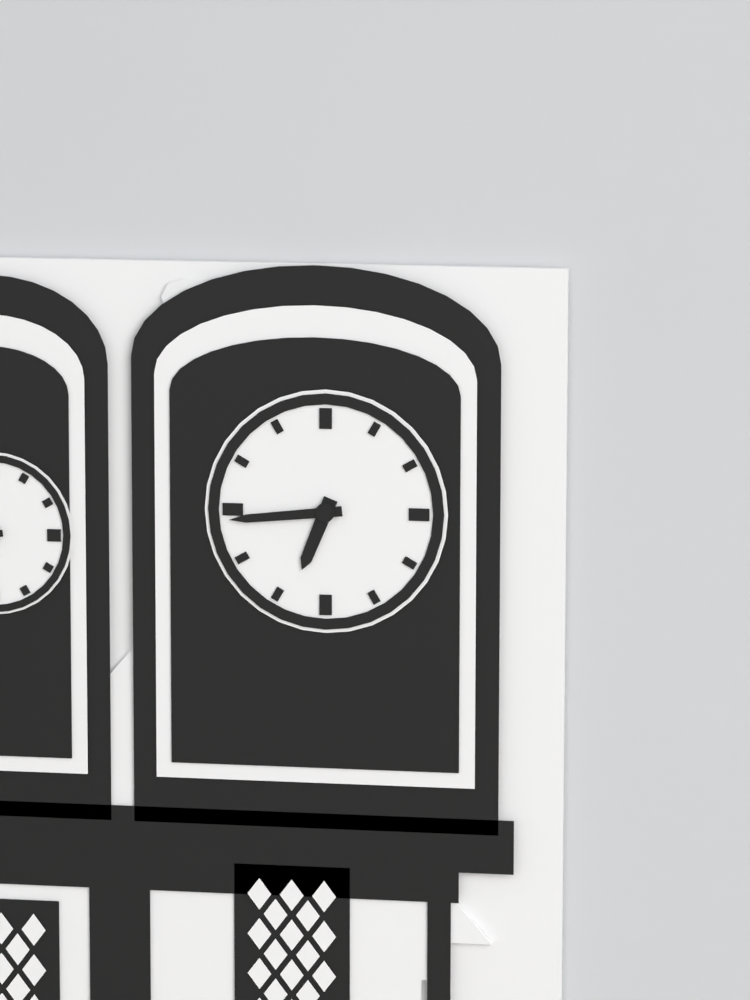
6:44
